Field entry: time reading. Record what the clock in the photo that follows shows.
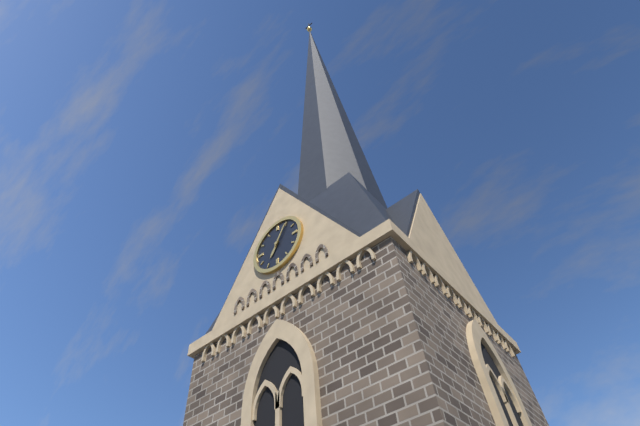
7:05
